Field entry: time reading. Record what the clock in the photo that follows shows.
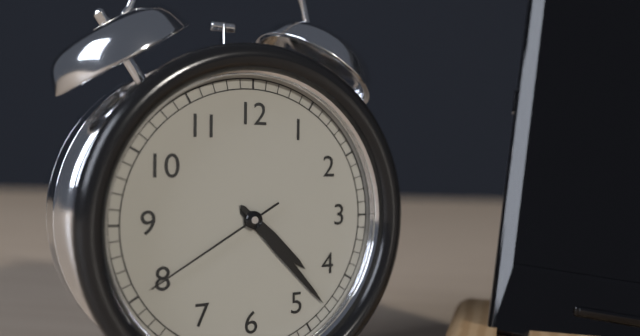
4:23:40
